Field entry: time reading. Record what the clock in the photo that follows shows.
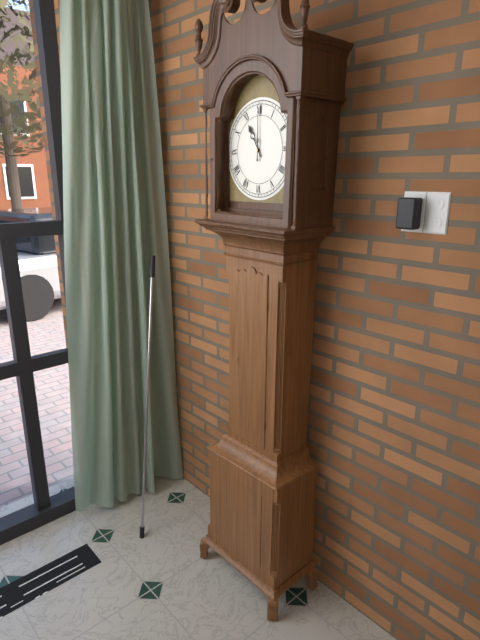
11:00
